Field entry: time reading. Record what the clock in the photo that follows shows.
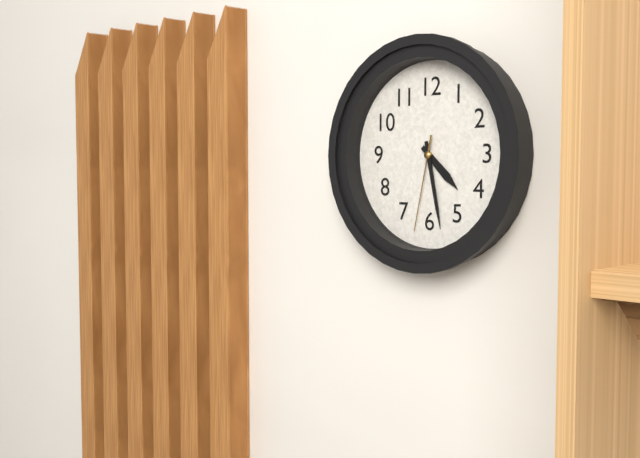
4:28:32
